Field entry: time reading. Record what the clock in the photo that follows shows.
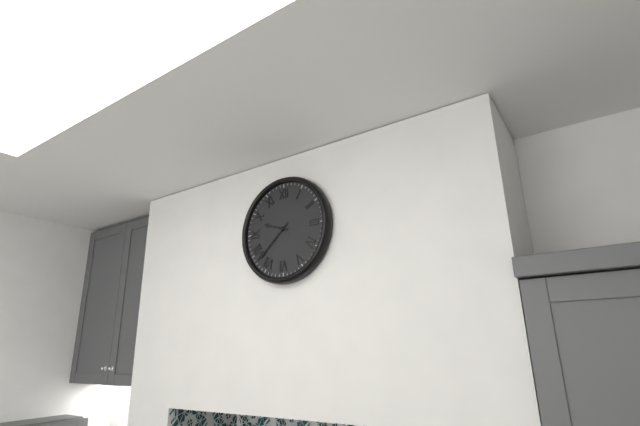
9:38
